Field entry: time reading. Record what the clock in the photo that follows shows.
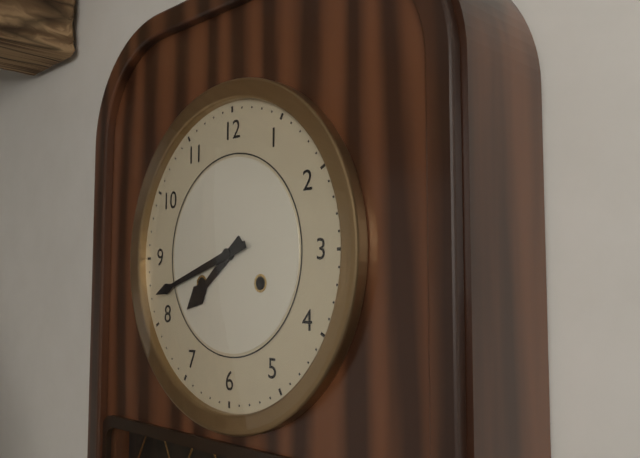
7:42
